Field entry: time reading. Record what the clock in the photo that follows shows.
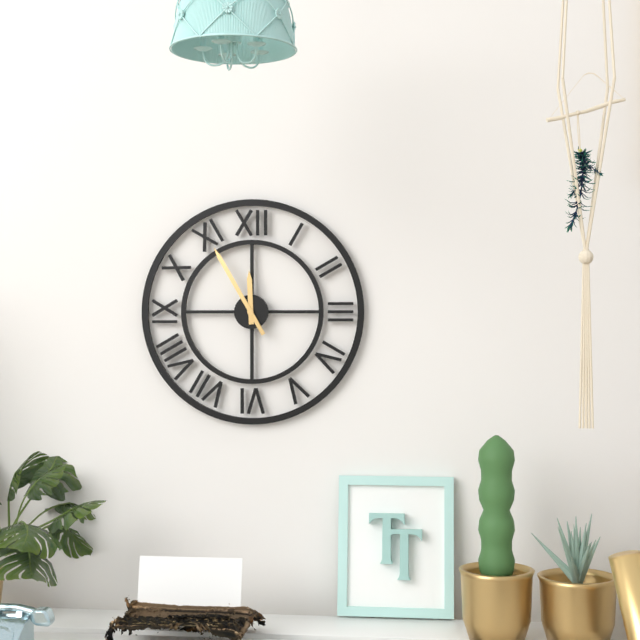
11:55
